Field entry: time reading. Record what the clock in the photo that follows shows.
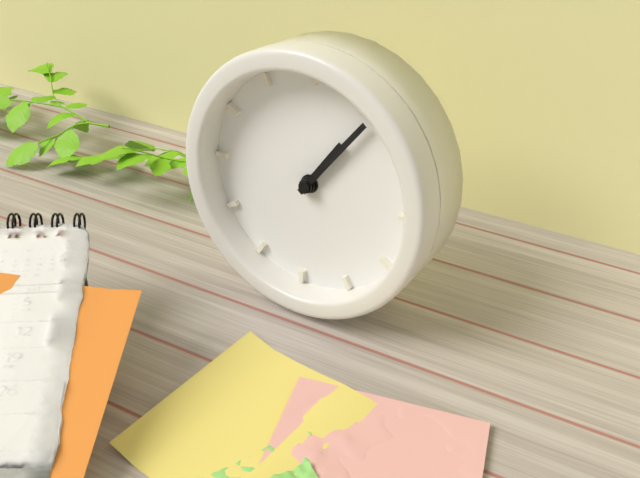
1:06
